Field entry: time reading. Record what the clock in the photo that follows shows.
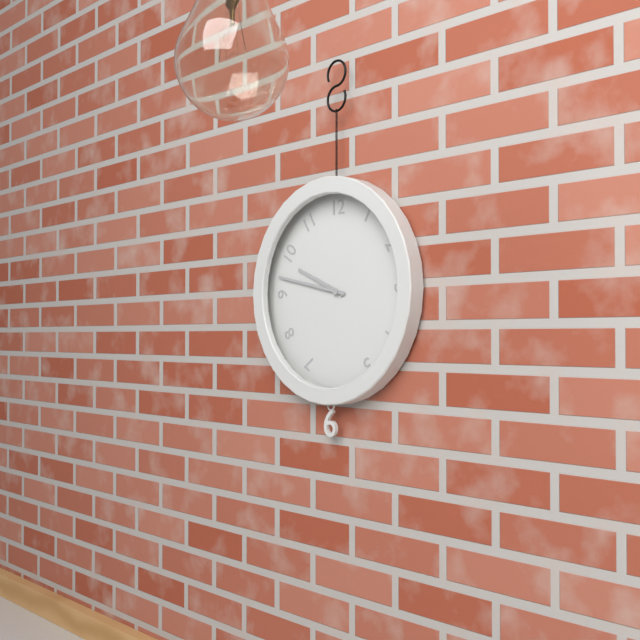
9:47
